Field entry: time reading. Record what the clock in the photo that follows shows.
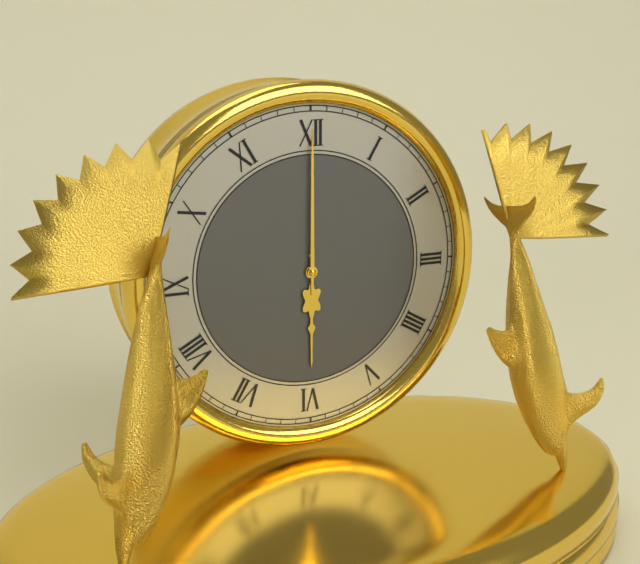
6:00
